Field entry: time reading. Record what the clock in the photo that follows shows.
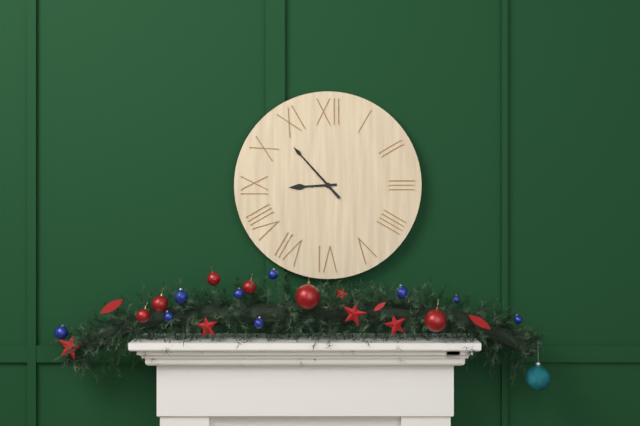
8:53
